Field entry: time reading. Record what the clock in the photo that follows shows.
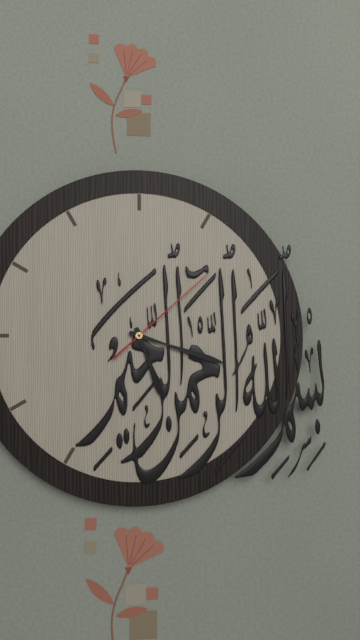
5:18:08
